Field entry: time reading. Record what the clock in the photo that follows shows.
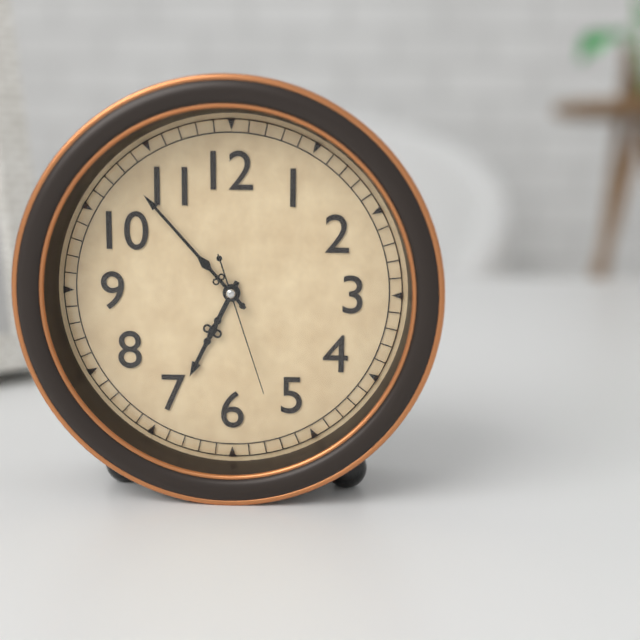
6:53:27
